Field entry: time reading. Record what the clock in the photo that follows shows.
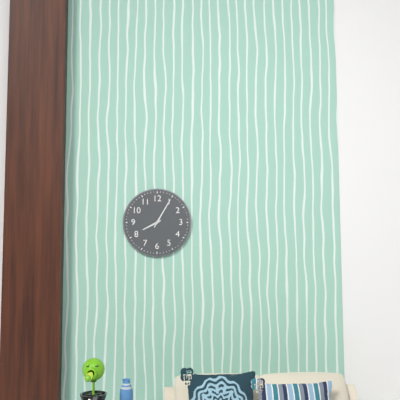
8:05
